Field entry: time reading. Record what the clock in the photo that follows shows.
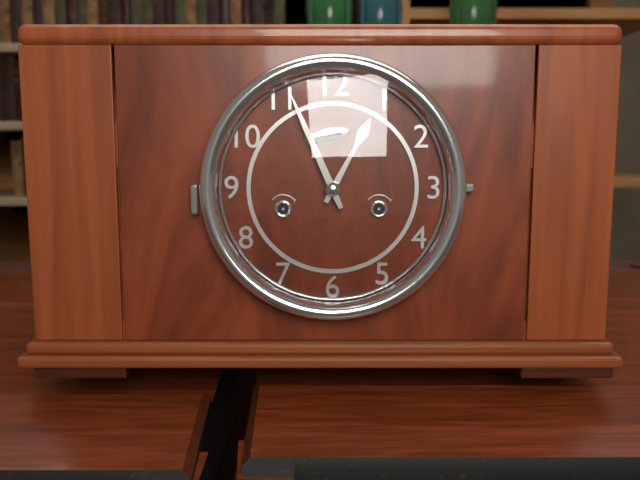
12:56
